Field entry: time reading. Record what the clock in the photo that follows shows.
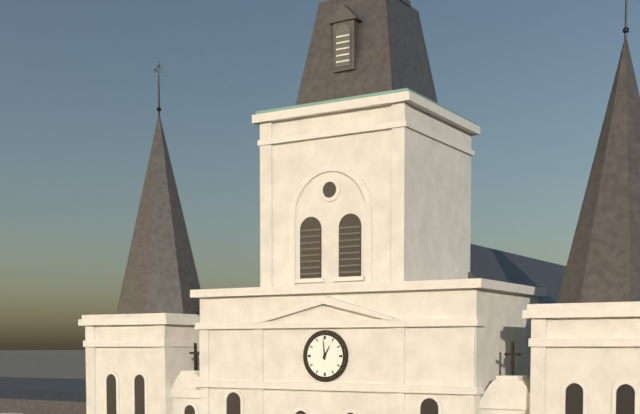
12:59
